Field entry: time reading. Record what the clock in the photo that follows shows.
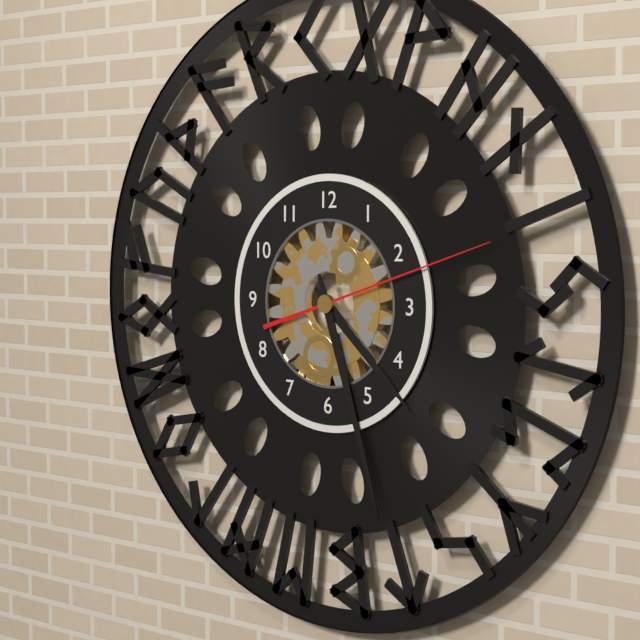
4:27:12
